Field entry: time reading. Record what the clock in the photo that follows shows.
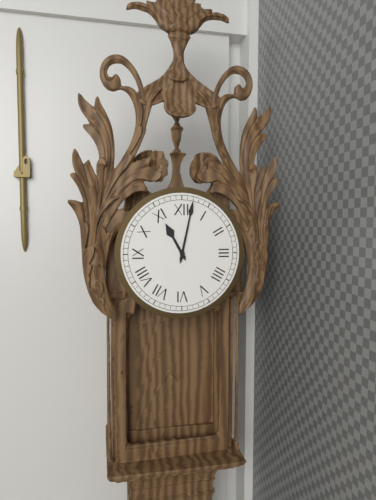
11:02
